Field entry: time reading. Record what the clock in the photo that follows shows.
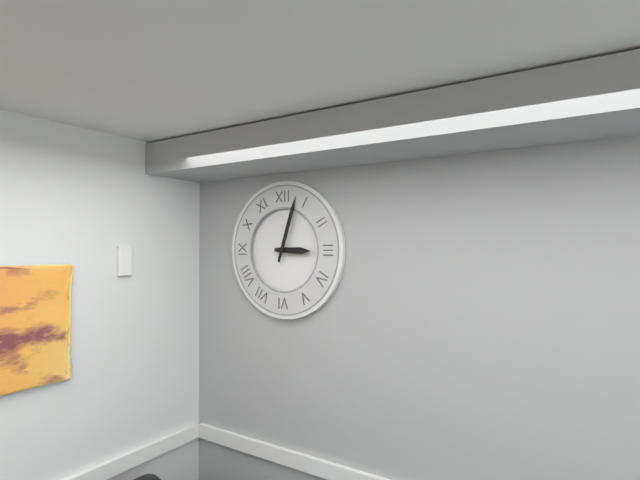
3:03
